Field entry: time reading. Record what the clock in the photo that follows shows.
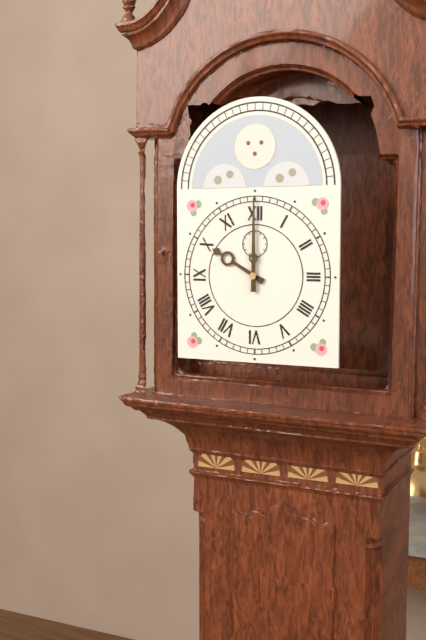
10:00
